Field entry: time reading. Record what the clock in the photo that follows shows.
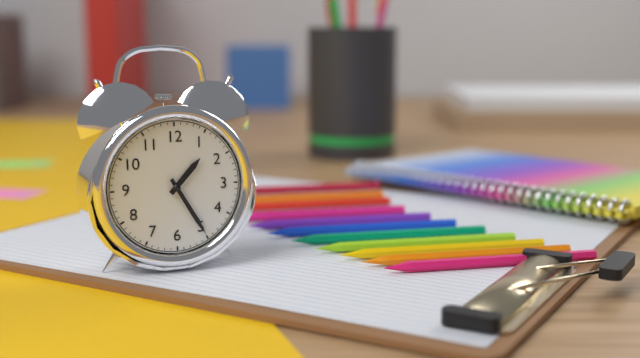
1:25
